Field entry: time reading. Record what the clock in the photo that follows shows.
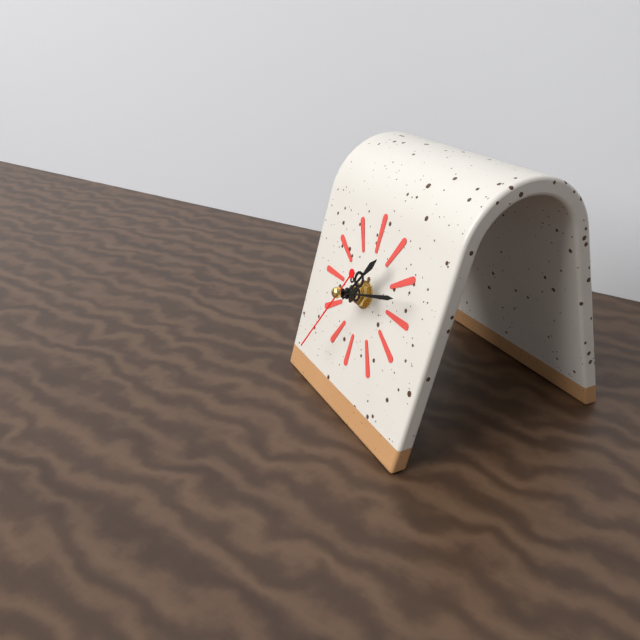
1:12:35
